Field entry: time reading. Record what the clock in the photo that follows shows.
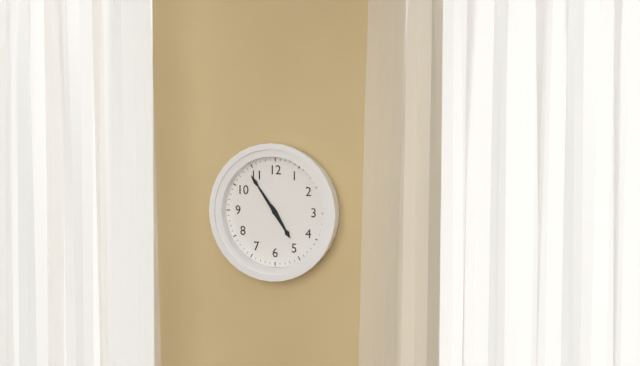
4:54
